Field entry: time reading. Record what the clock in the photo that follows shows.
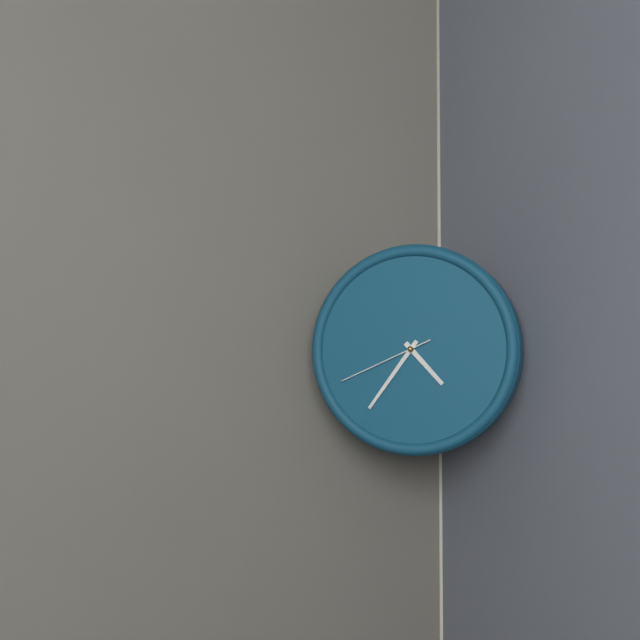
4:36:41
